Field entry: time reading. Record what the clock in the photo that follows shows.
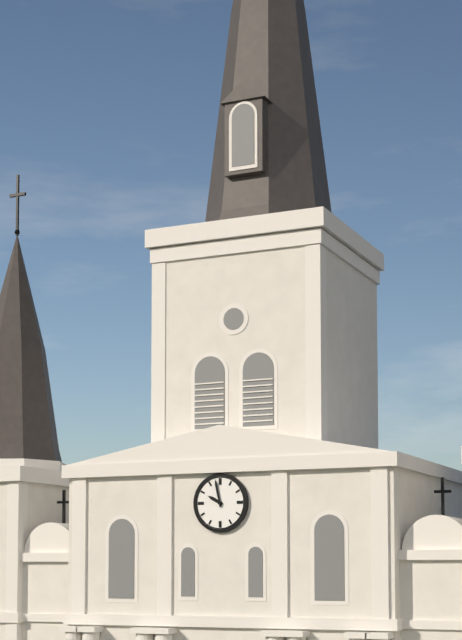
9:58
